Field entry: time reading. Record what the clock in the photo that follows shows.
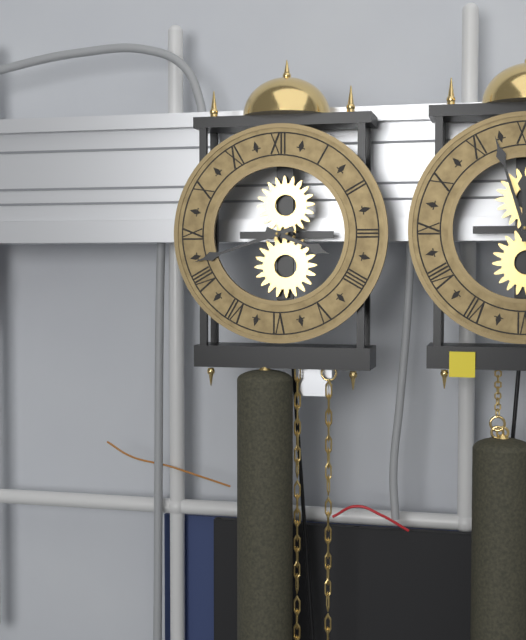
3:42
